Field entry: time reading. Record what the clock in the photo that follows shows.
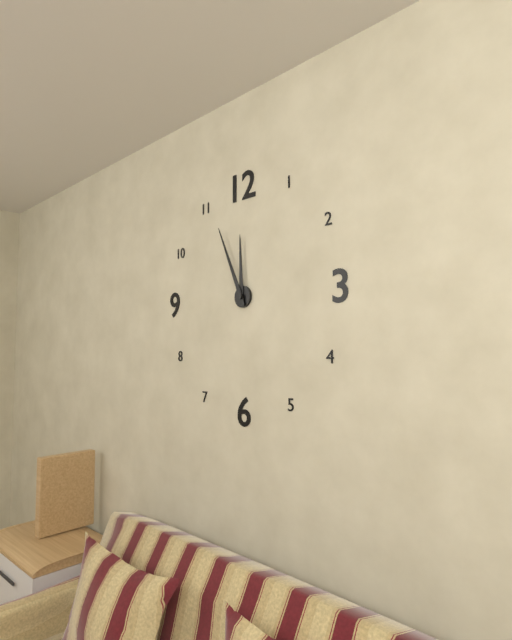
11:56
